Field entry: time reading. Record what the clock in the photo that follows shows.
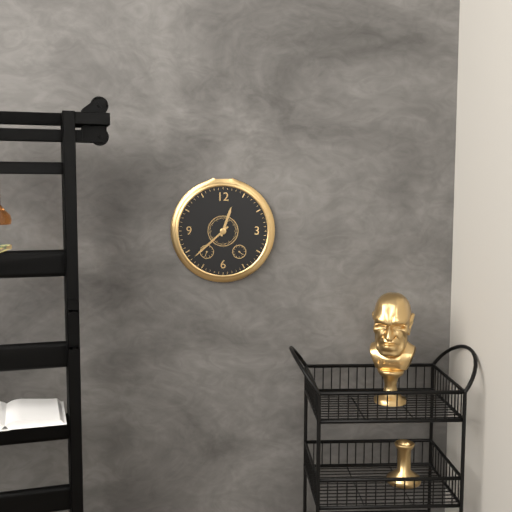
12:38
